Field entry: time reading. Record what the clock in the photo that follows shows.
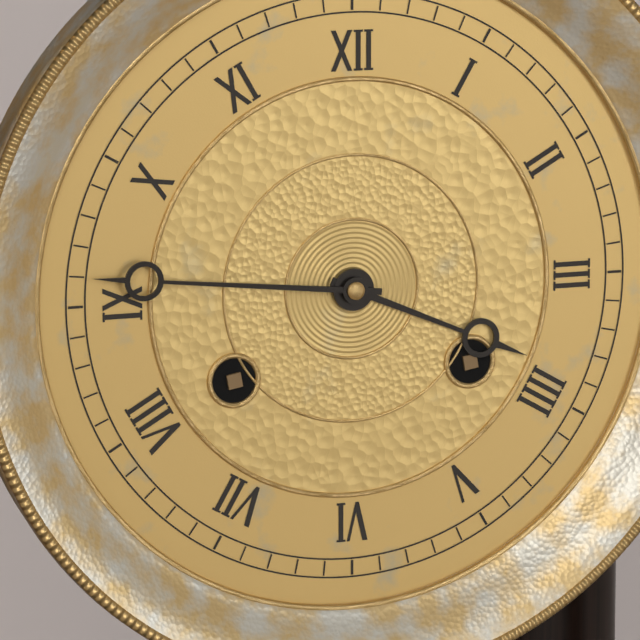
3:46
